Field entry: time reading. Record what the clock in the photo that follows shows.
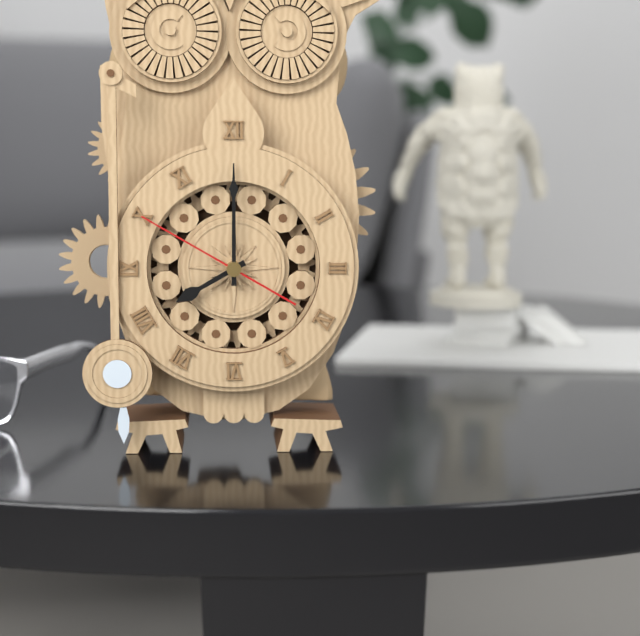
8:00:50
